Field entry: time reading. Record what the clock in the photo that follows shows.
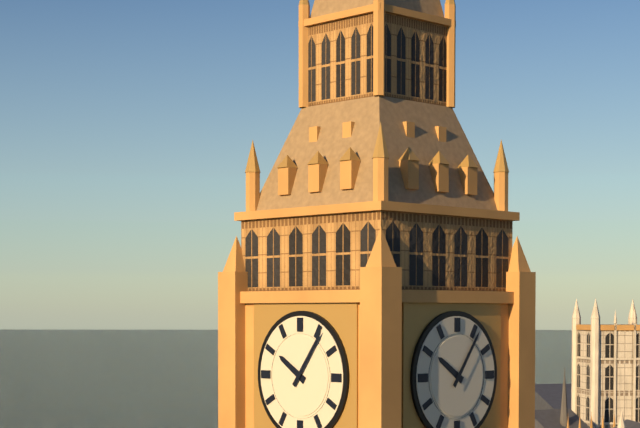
10:06
